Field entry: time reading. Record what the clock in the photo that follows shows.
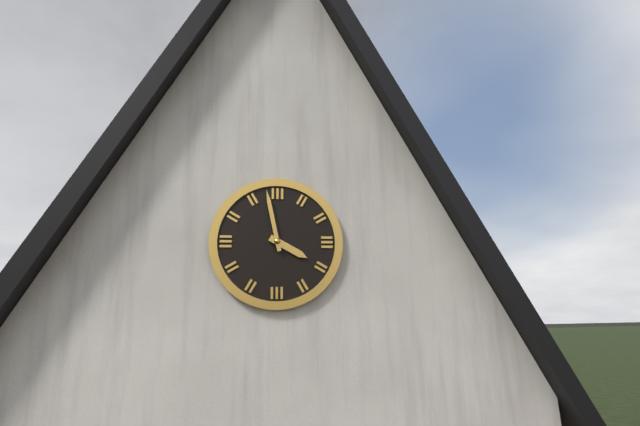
3:58
